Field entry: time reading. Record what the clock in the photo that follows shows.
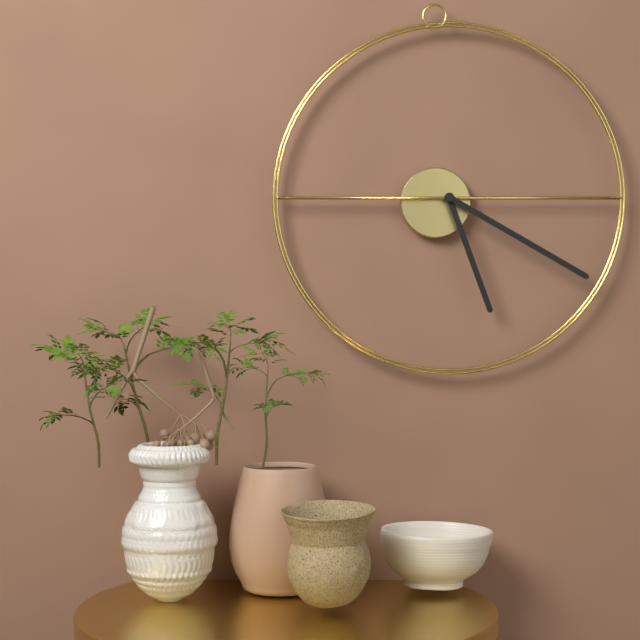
5:20
